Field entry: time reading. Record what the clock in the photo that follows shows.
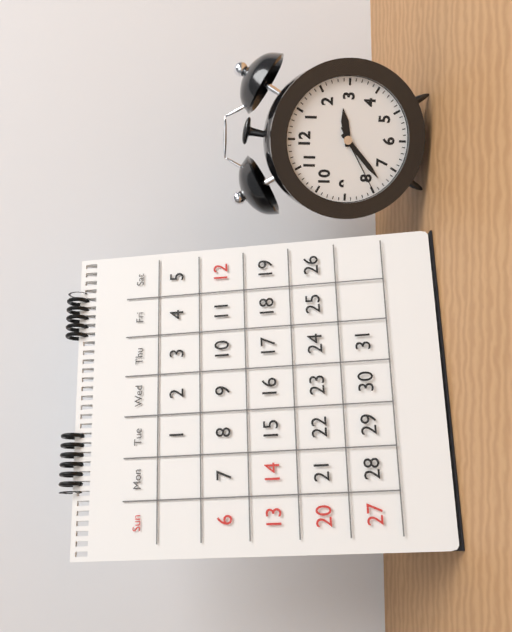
2:38:40
